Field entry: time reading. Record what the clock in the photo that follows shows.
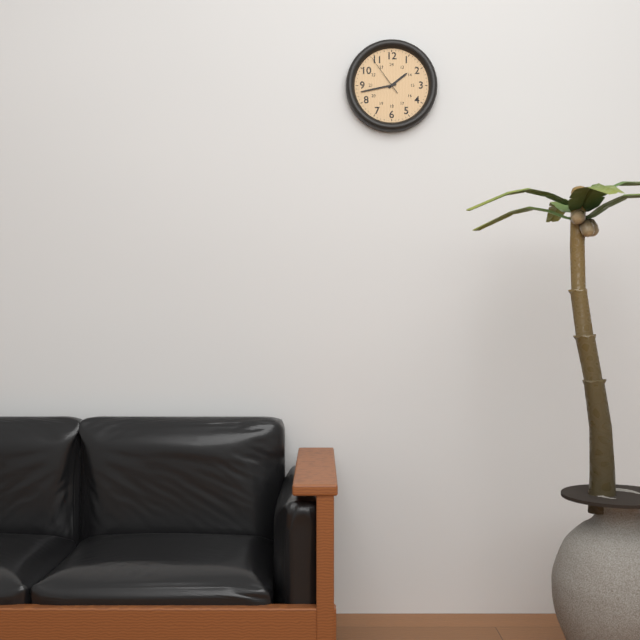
1:43
